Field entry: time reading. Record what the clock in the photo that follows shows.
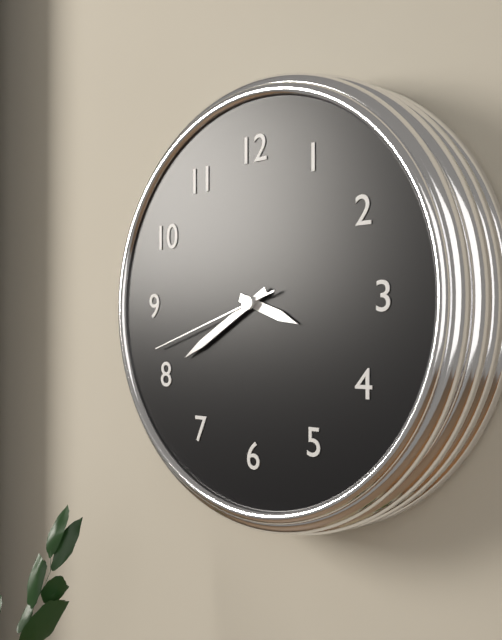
3:40:42
